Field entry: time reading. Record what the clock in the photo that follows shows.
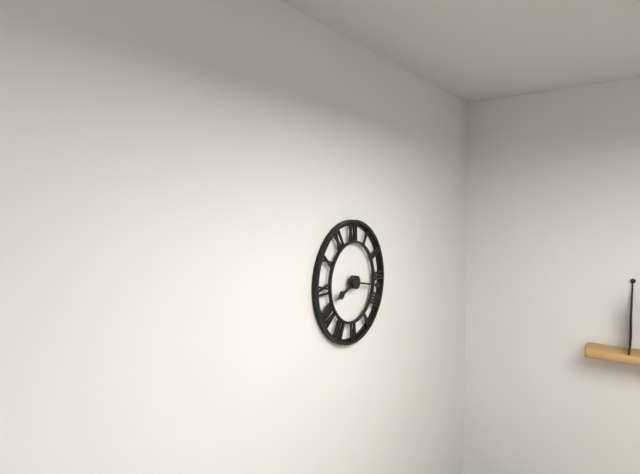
8:17
